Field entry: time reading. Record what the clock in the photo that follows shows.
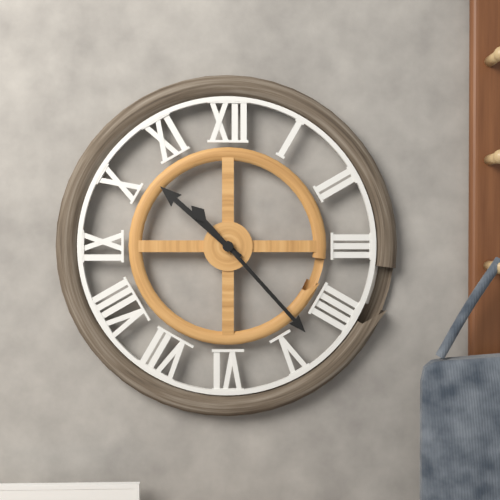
10:23
